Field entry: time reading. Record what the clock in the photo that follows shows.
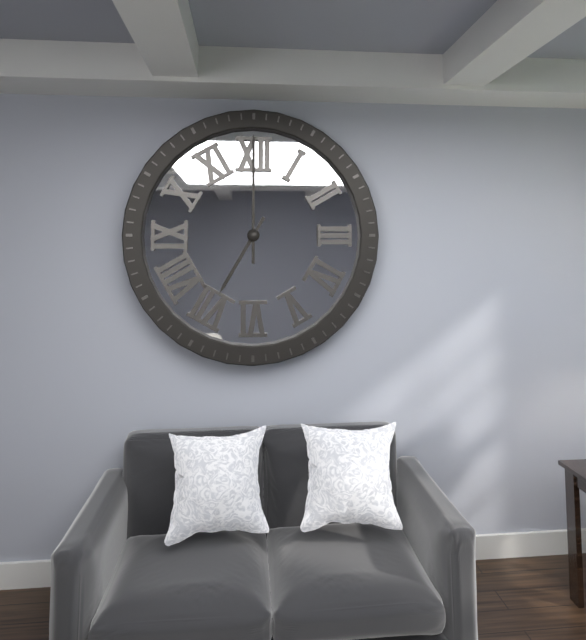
7:00
